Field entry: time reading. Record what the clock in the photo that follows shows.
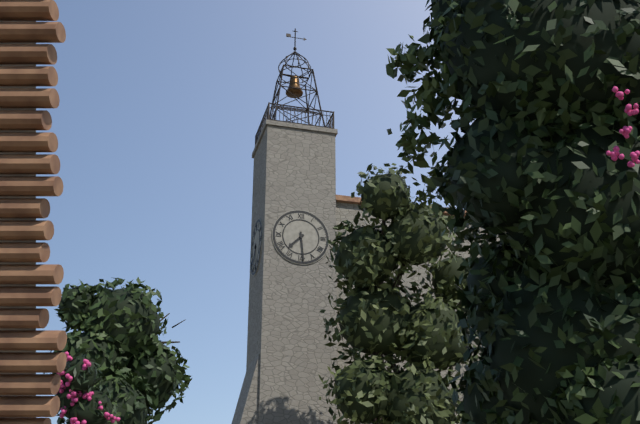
7:29
